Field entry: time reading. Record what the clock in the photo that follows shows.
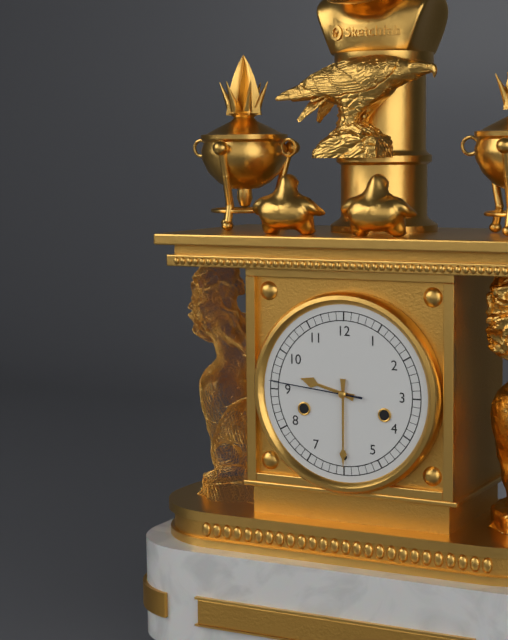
9:30:46
